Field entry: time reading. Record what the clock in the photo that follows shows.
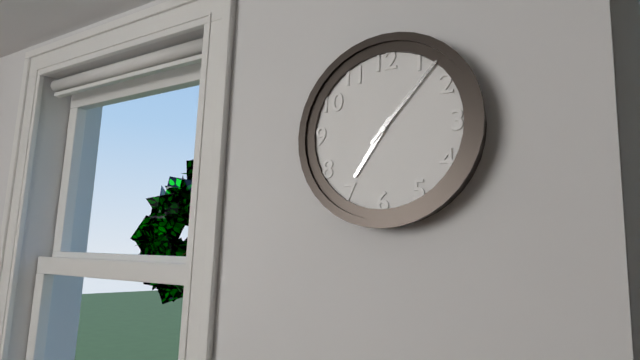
7:07
